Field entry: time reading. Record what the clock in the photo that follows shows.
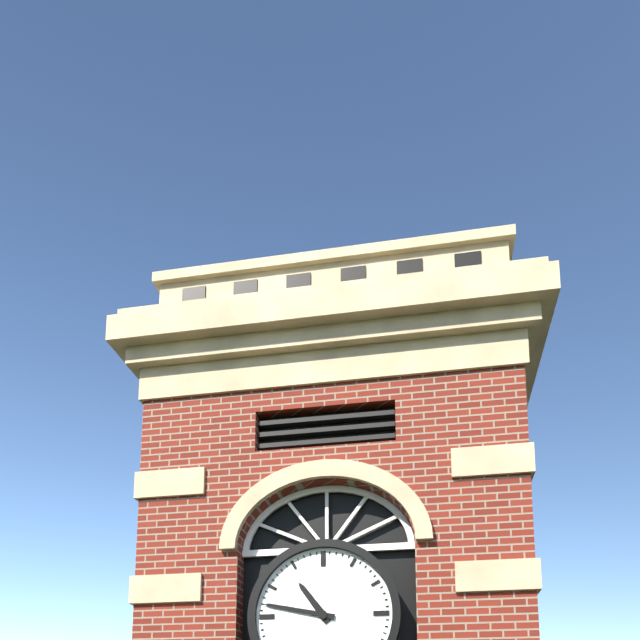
10:47
